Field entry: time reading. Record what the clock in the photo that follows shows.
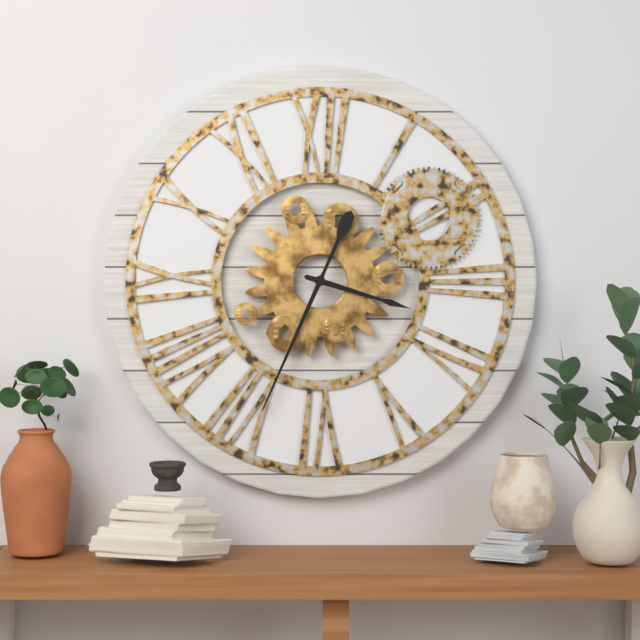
3:34
